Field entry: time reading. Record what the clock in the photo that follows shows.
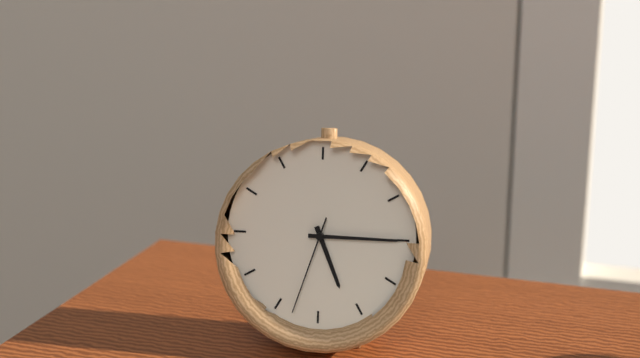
5:15:33
